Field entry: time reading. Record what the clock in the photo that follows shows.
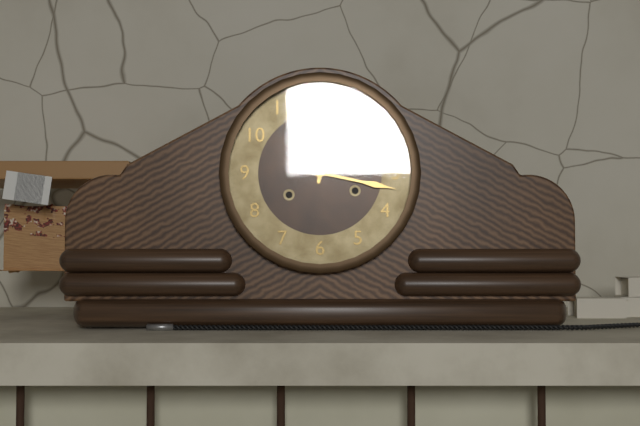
12:17
